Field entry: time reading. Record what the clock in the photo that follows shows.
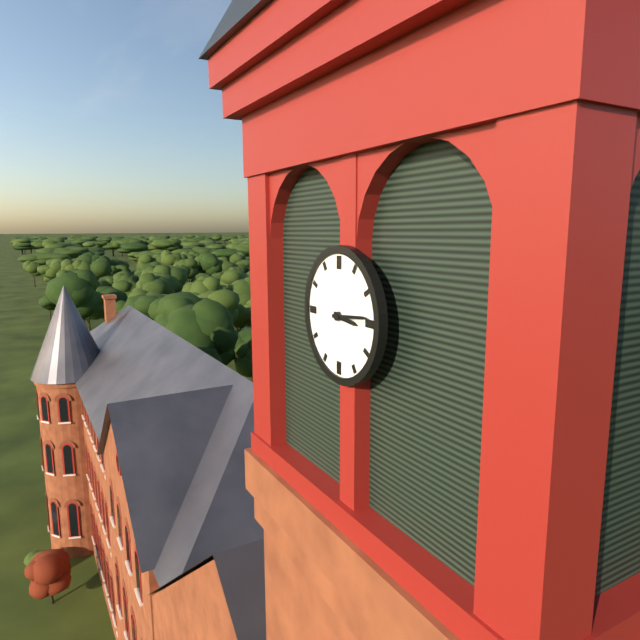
3:14
